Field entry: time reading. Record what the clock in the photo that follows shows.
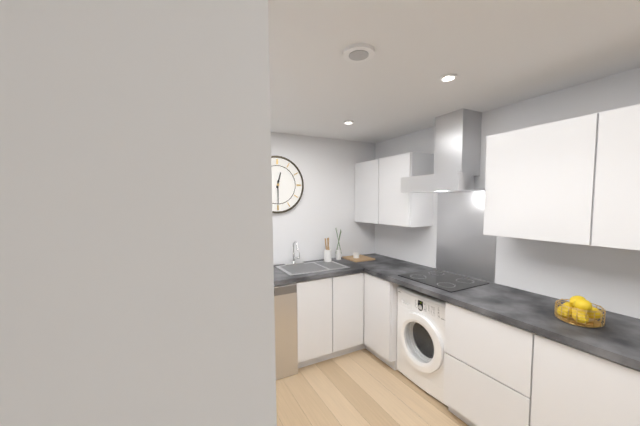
12:30
